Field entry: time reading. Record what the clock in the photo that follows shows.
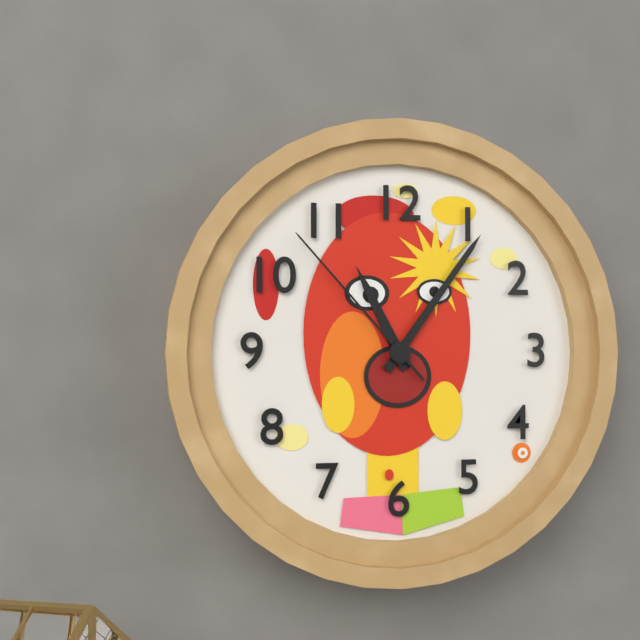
11:06:53
